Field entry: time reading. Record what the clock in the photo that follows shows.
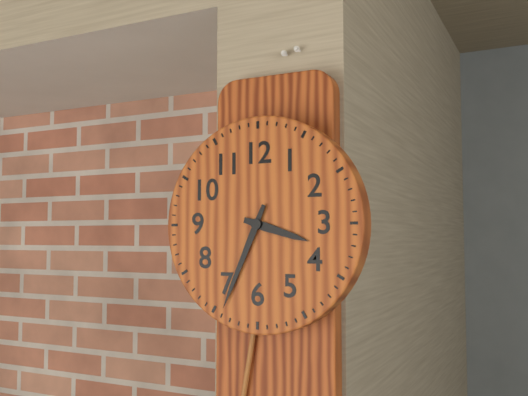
3:34
